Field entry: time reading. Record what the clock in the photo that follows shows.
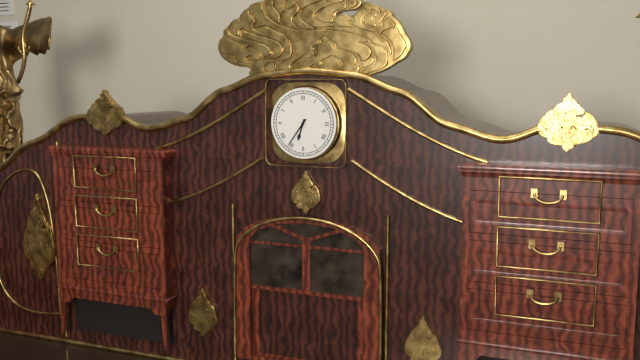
6:36
